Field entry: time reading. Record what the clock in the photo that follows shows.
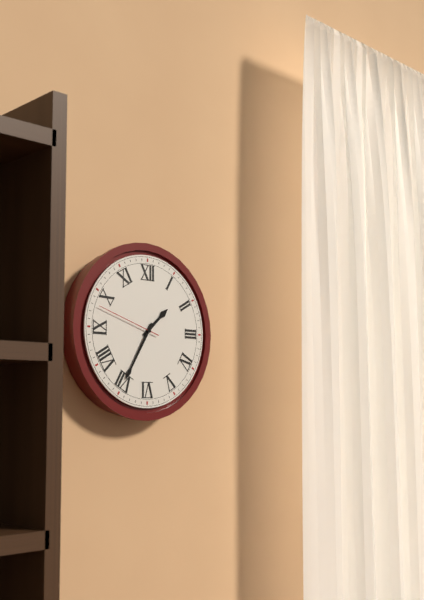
1:35:48
